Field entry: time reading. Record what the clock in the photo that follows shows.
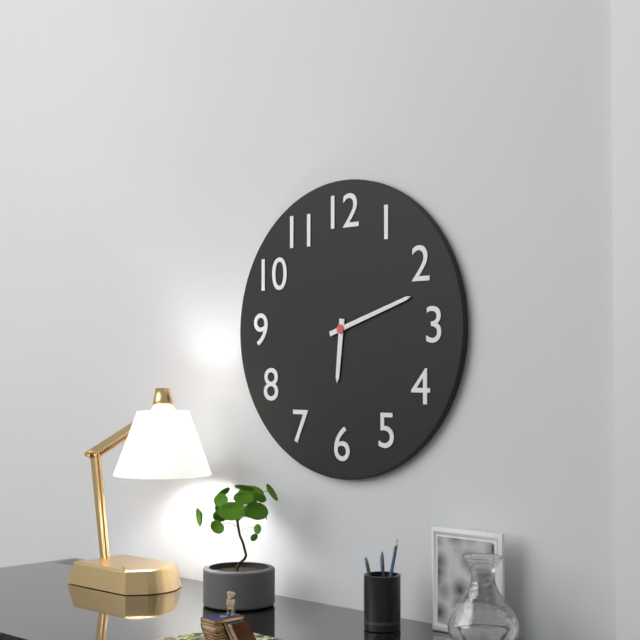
6:12
